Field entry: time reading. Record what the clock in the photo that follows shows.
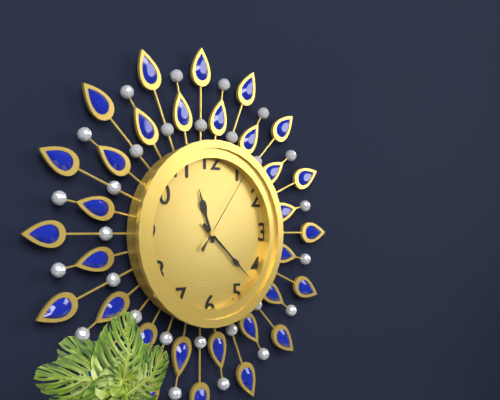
11:22:06
